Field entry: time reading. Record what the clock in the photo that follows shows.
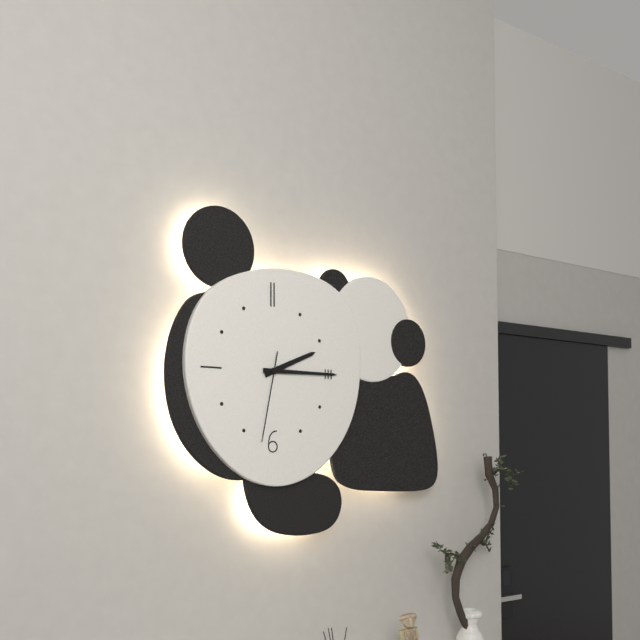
2:15:32
